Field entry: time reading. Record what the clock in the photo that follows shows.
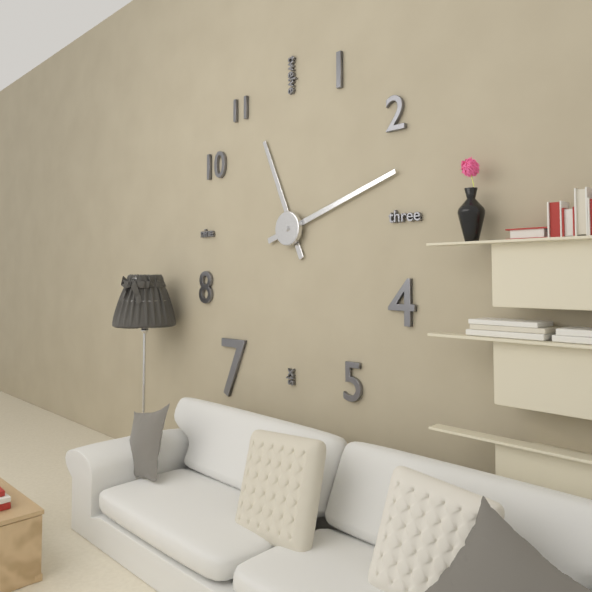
11:12
